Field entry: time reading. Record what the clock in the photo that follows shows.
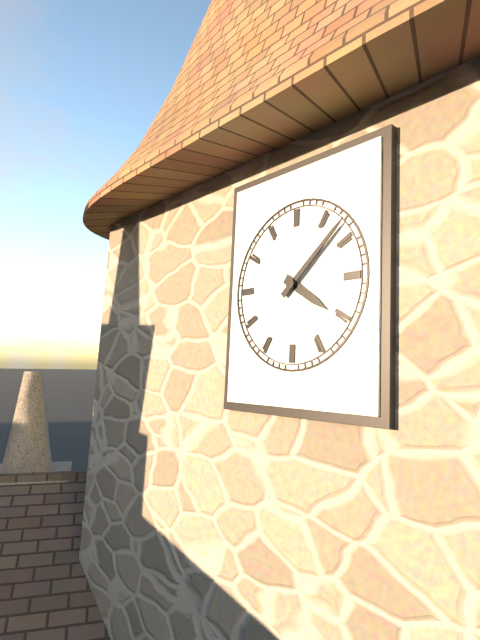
4:08
